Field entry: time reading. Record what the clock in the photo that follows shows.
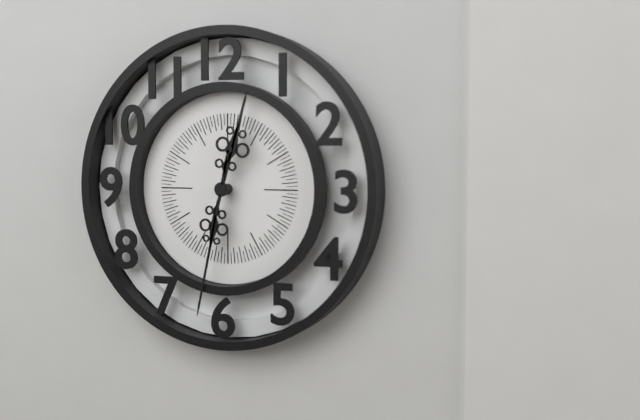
12:32
